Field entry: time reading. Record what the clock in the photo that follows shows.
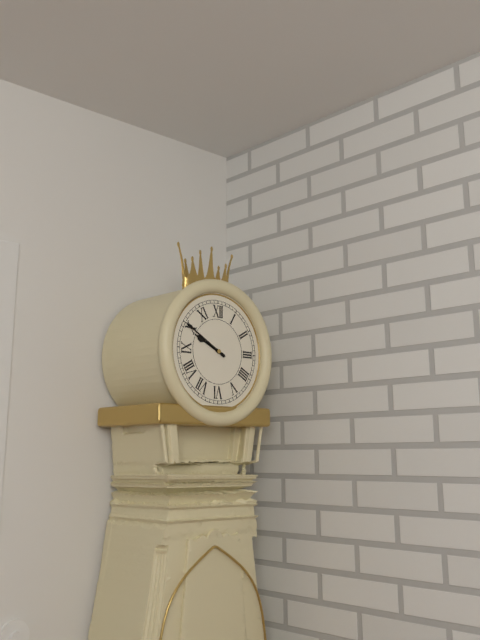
9:50
